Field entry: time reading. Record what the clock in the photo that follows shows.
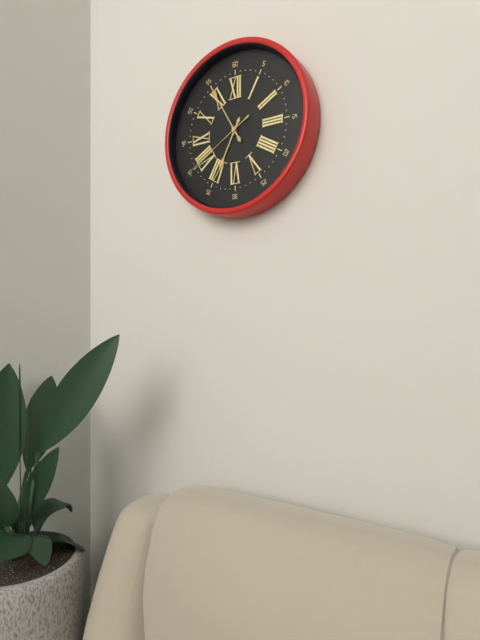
6:55:40
